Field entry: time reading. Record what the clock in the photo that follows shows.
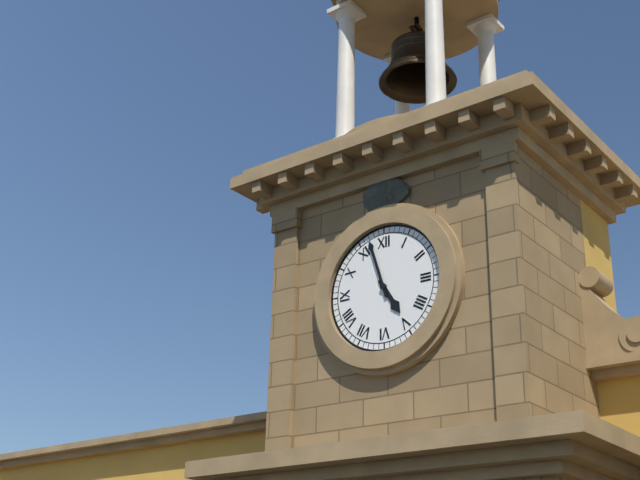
4:57
